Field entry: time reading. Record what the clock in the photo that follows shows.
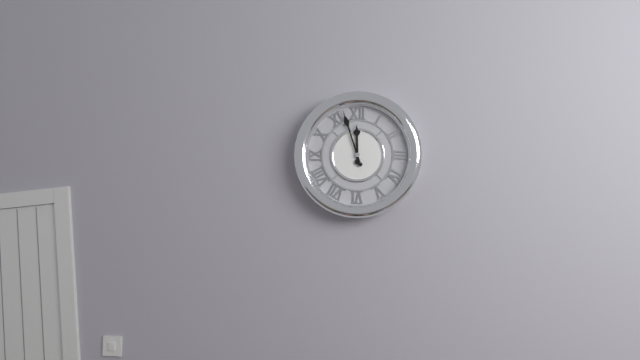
11:57
